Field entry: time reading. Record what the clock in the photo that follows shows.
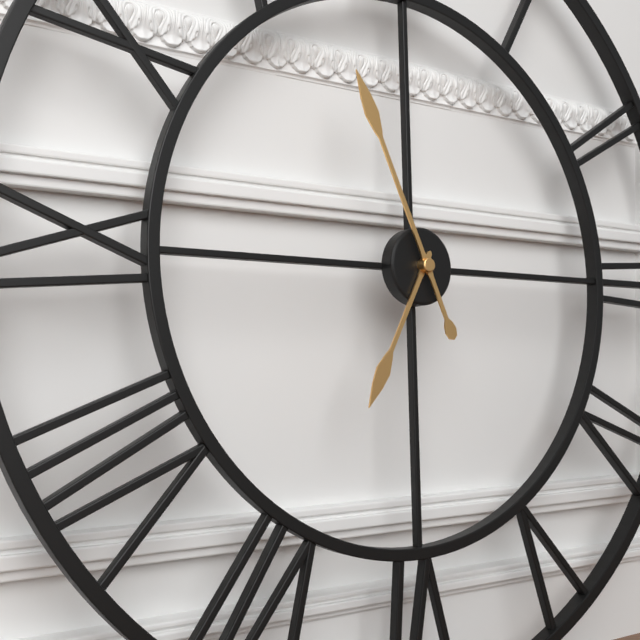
6:56
